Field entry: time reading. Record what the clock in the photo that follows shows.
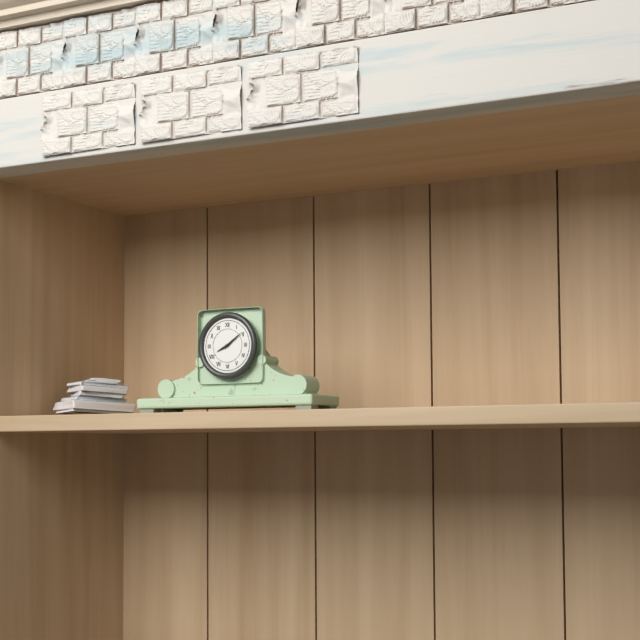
8:09
